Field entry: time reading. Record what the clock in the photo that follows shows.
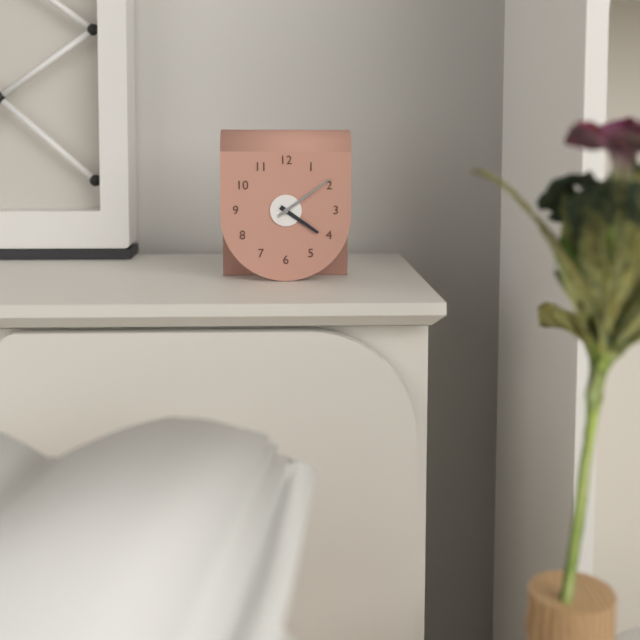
4:09
